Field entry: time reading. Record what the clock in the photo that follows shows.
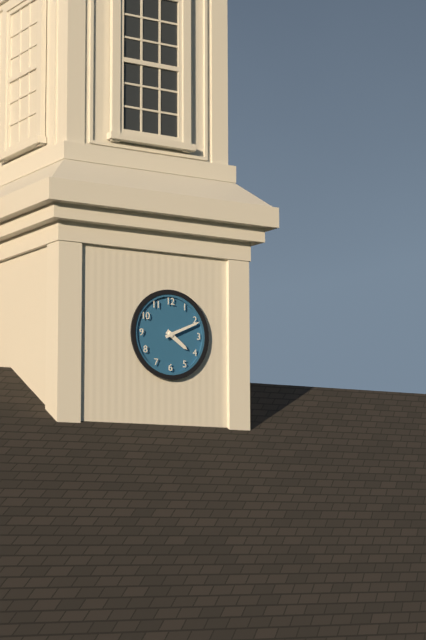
4:11
